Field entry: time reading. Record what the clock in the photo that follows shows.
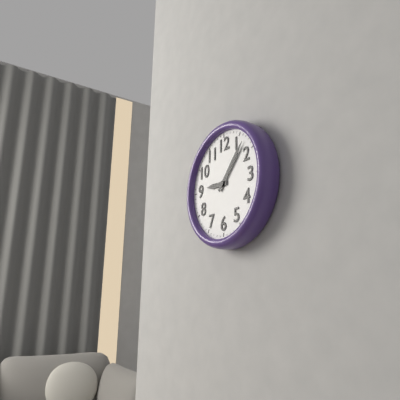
9:07
